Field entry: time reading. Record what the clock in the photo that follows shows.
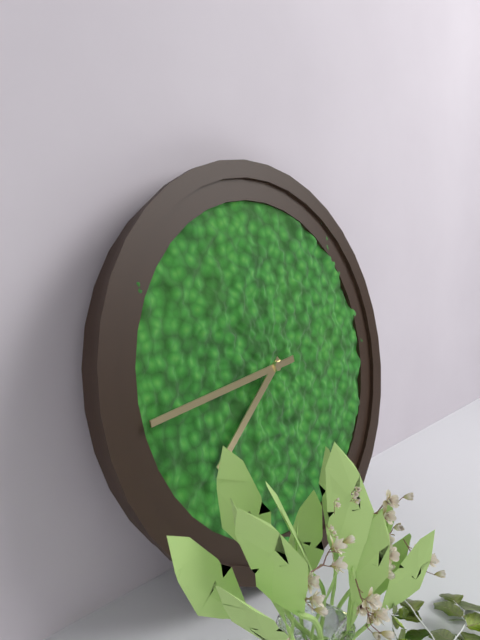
7:44
